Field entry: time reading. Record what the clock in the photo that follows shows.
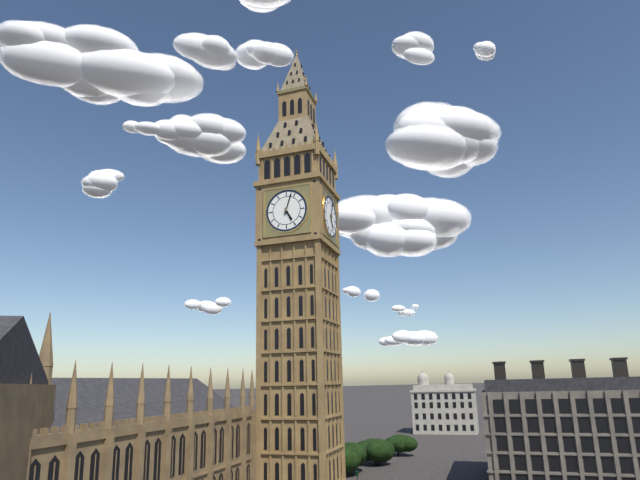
5:03
